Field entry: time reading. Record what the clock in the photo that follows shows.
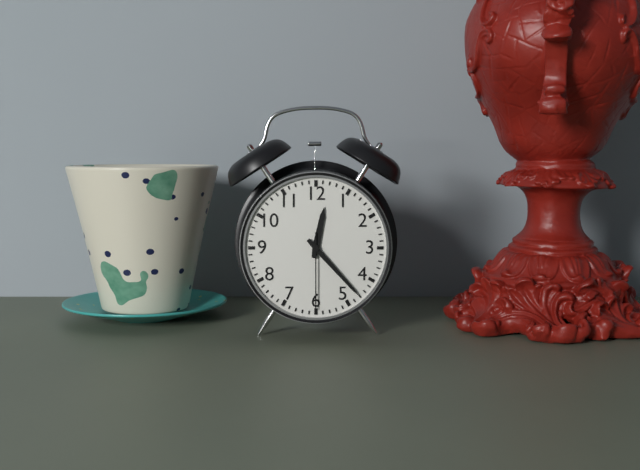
12:23:30
